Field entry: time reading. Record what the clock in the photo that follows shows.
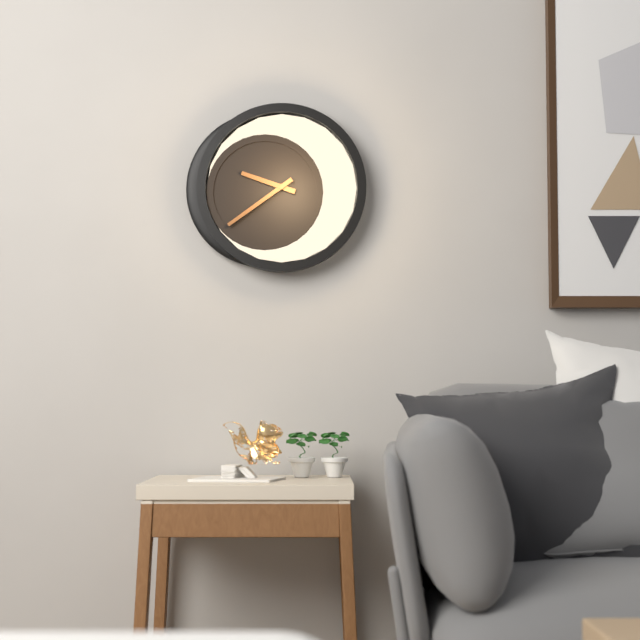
9:39
